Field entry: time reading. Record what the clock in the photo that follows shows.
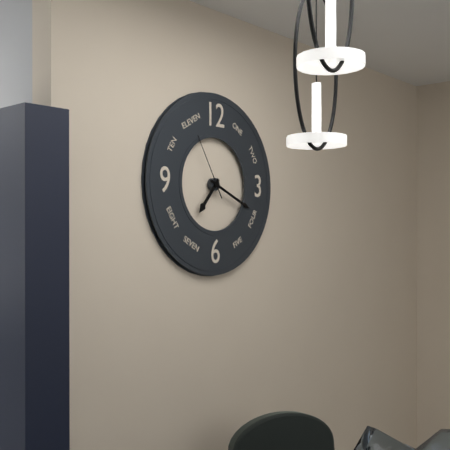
7:19:55
